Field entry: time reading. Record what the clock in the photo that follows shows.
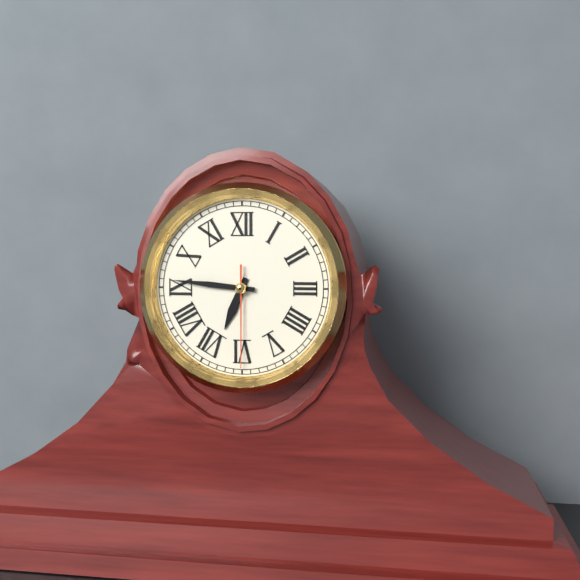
6:46:30
